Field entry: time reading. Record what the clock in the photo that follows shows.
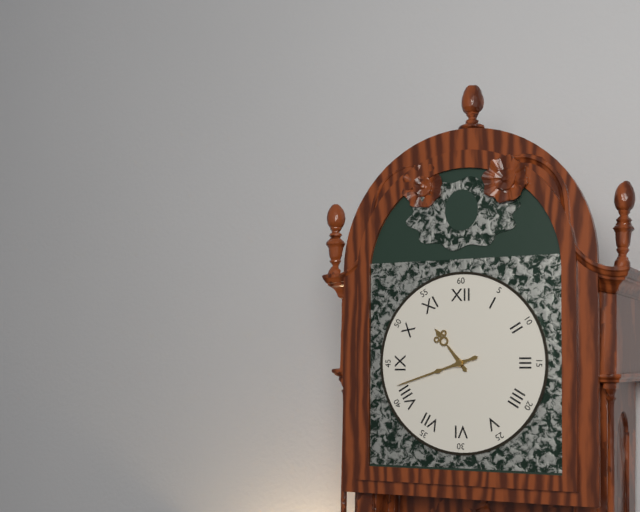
10:42
